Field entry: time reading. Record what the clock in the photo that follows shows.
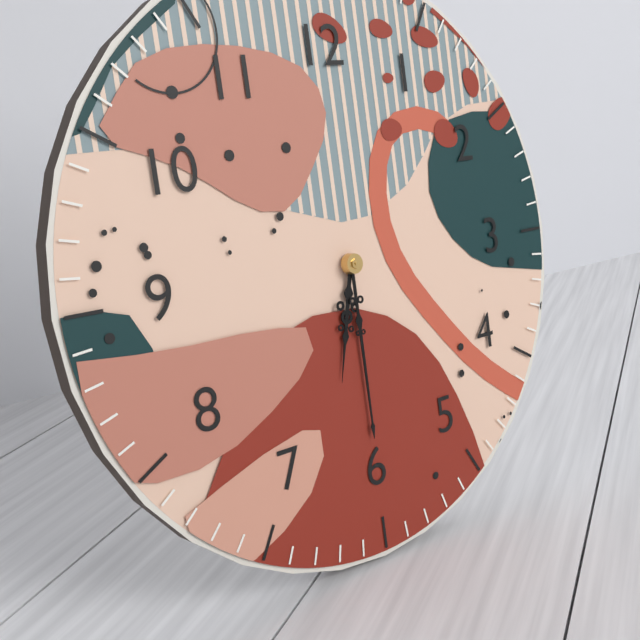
6:30
